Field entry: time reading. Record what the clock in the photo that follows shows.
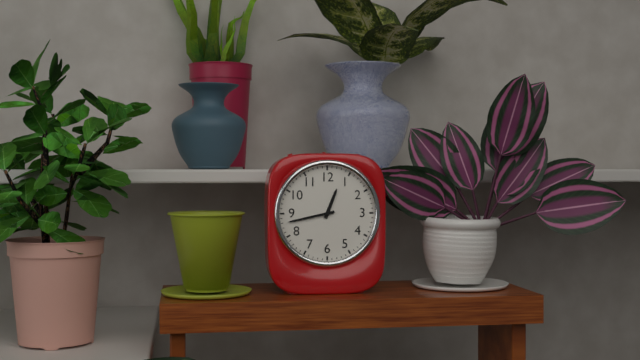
12:43
